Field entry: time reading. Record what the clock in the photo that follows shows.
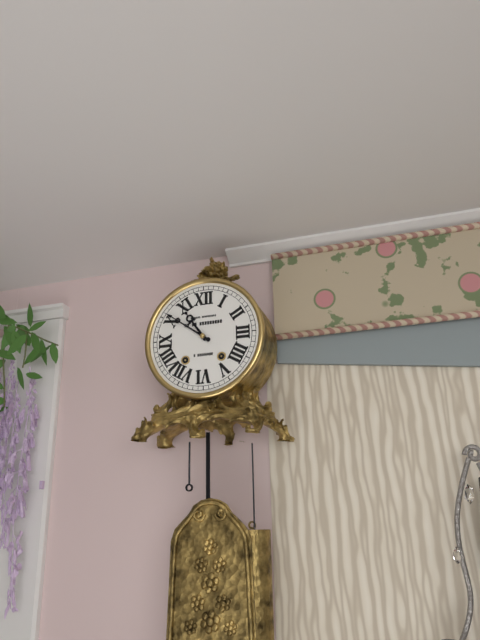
10:51
